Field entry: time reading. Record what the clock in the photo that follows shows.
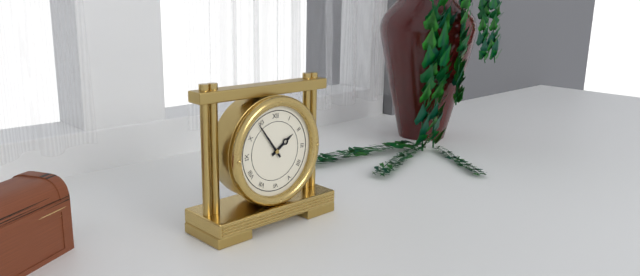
1:54
